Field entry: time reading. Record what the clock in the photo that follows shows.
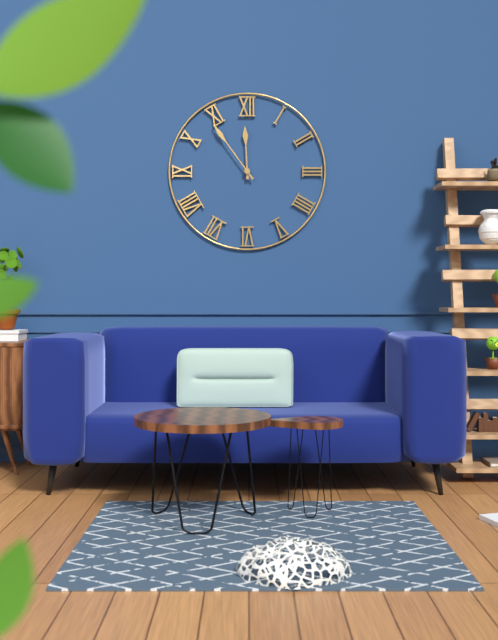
11:54
